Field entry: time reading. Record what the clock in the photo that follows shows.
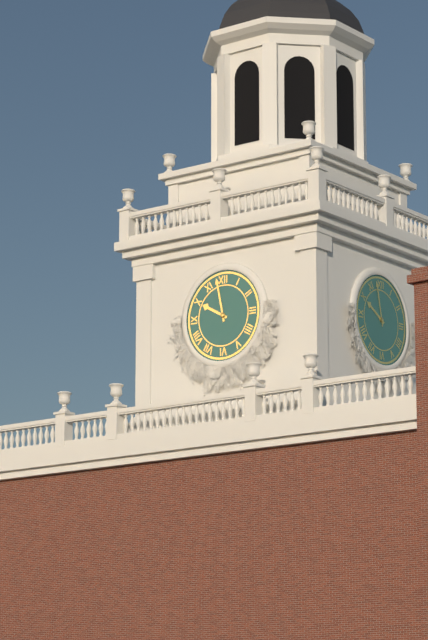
9:58
